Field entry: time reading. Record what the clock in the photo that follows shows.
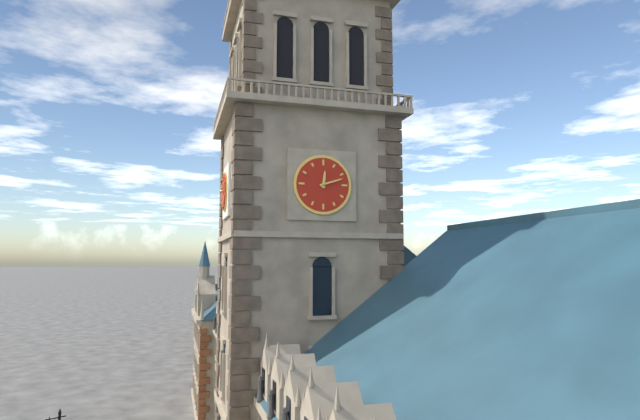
12:12
